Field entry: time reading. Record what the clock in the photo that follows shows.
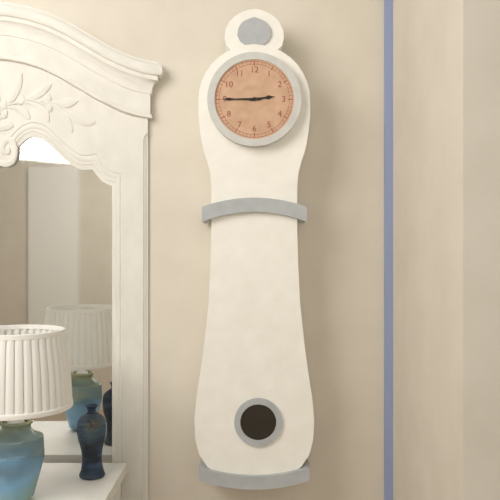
2:45
